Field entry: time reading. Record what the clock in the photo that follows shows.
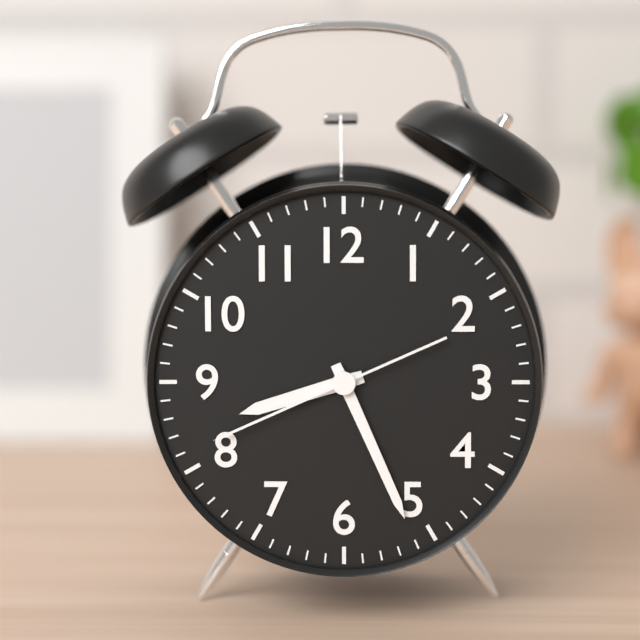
8:26:41
